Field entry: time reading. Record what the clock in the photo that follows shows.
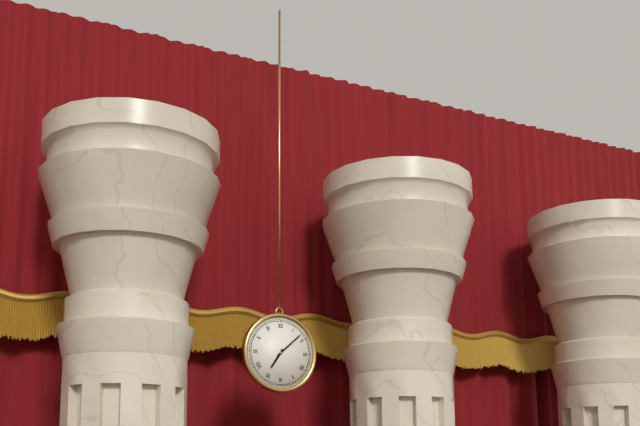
7:08
